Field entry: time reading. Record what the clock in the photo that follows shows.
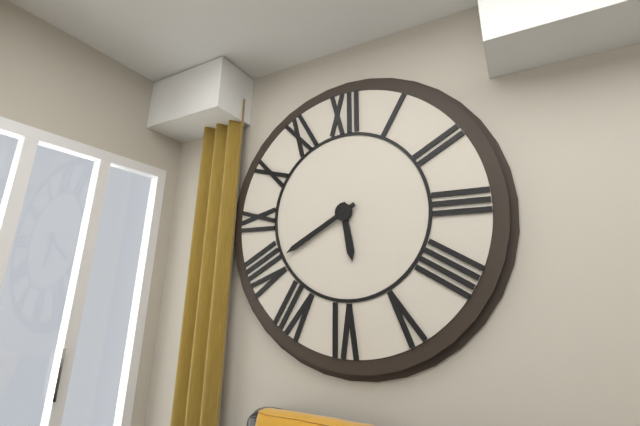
5:40
